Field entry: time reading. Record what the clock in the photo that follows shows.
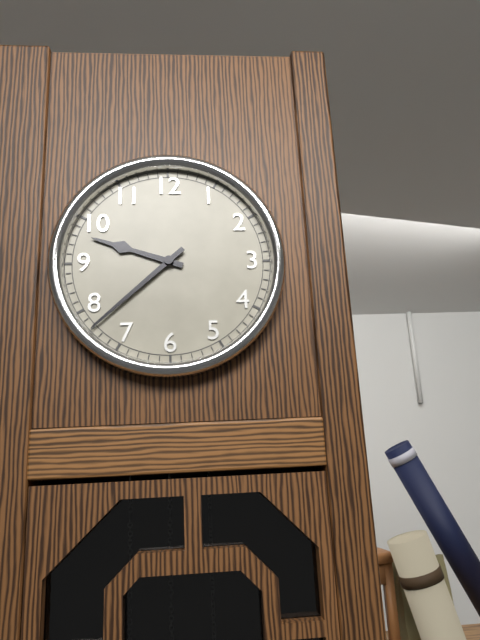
9:38
